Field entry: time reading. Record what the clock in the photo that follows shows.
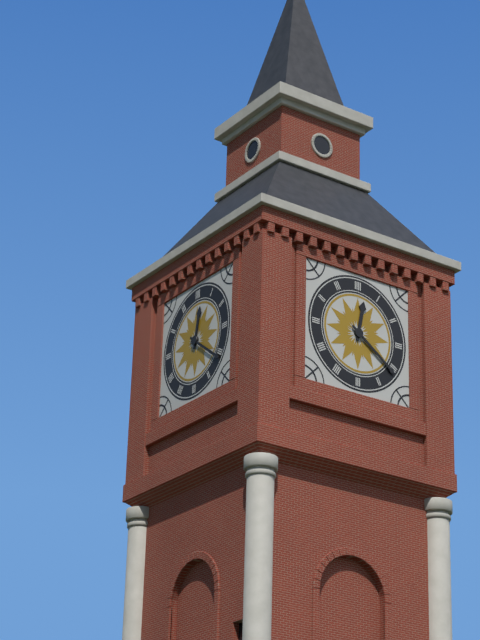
12:21
